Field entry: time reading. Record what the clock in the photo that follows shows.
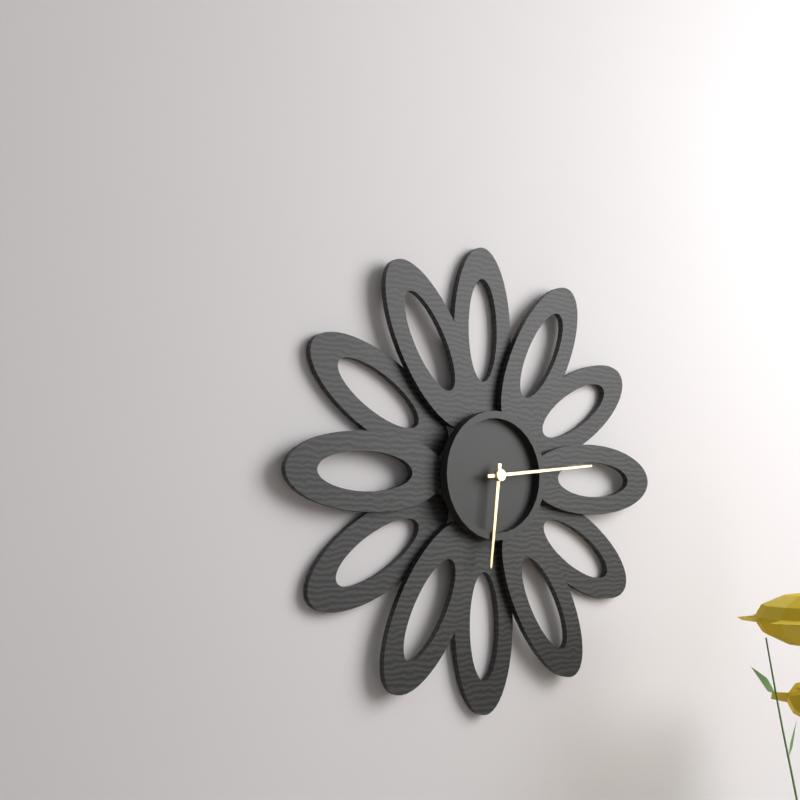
6:14
